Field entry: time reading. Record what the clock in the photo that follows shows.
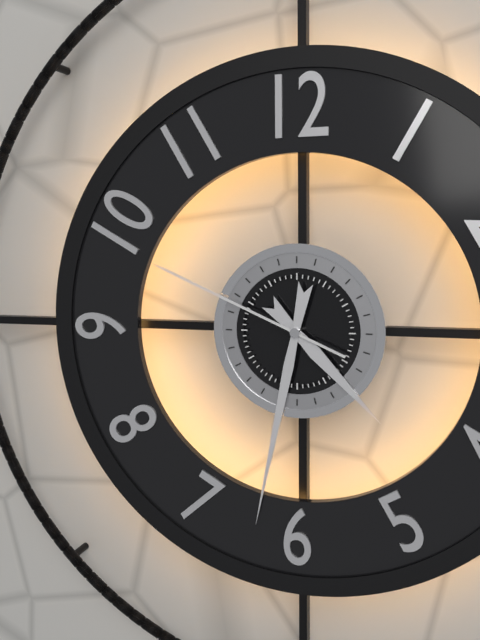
4:32:49
